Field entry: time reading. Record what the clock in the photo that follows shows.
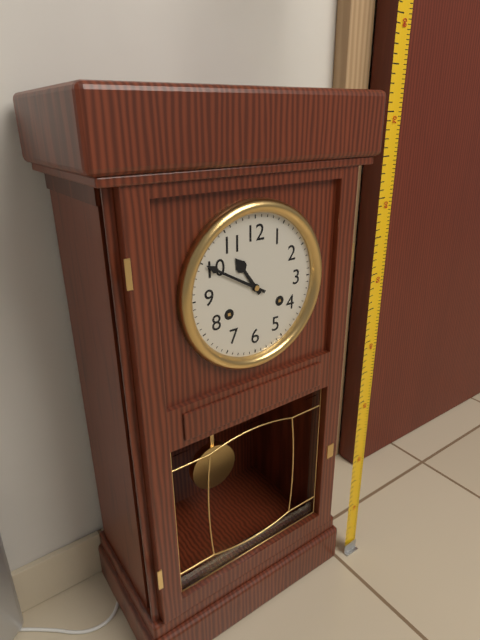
10:50
